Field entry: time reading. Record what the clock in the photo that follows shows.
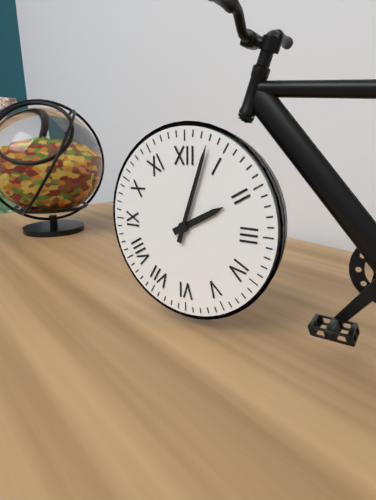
2:03
